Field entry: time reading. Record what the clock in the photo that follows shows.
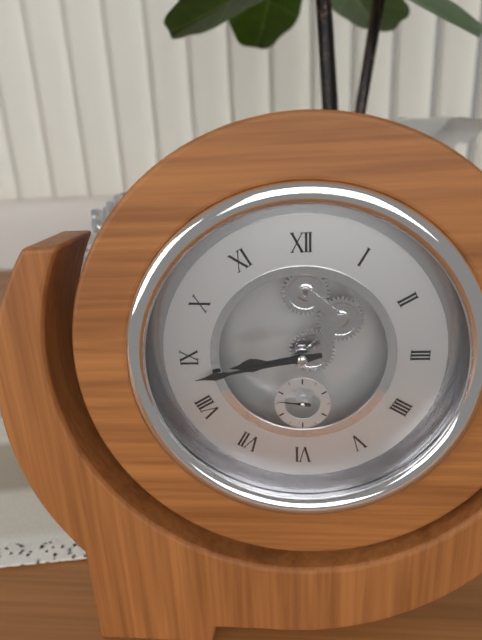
8:43
